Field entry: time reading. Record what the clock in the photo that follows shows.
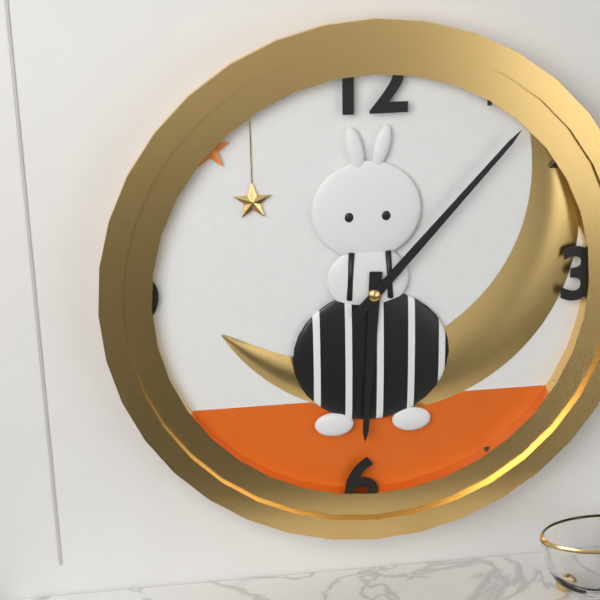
6:07
